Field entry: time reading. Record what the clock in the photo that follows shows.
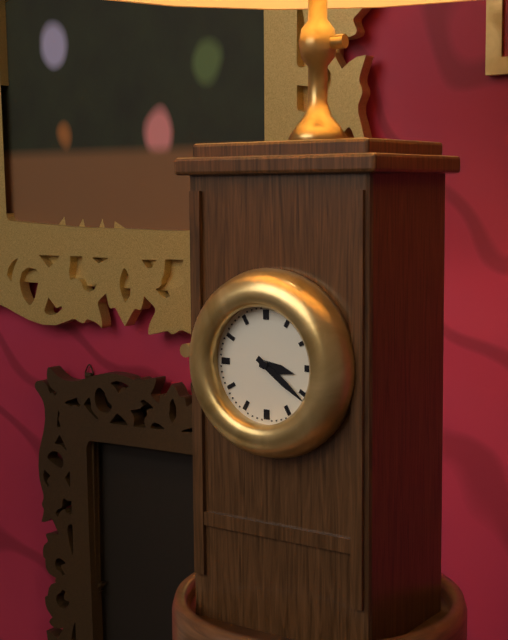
3:21
